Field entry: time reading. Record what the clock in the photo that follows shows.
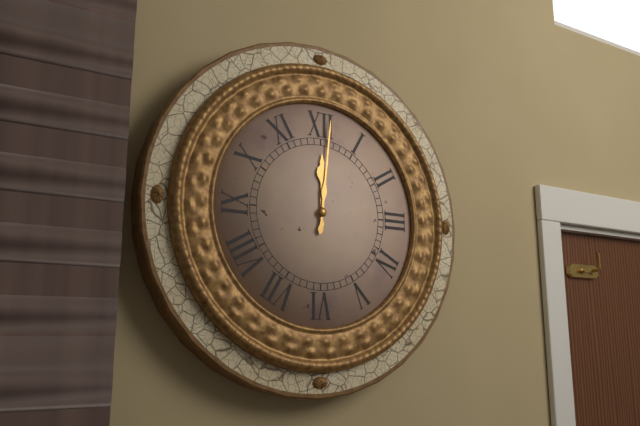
12:01
